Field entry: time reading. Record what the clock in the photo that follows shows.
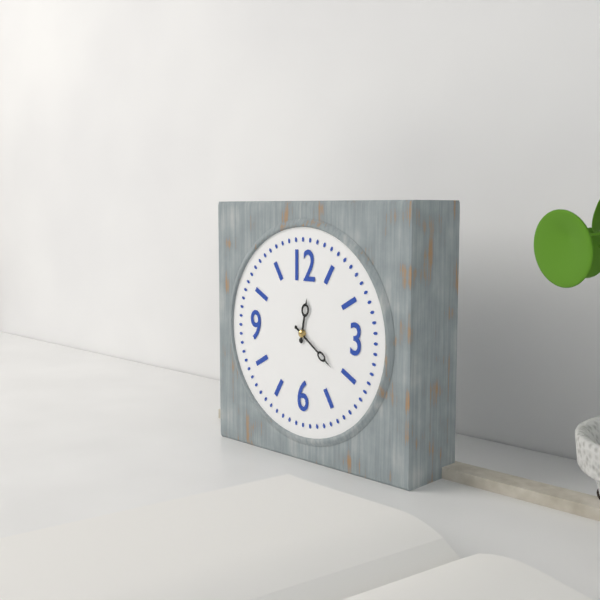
12:21
